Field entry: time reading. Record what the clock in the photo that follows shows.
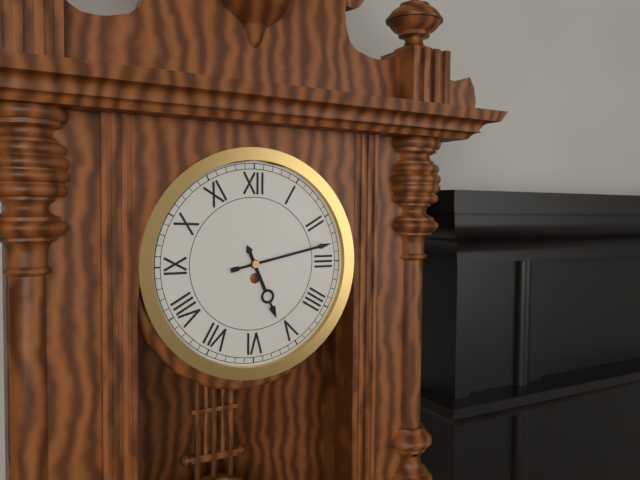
5:13
